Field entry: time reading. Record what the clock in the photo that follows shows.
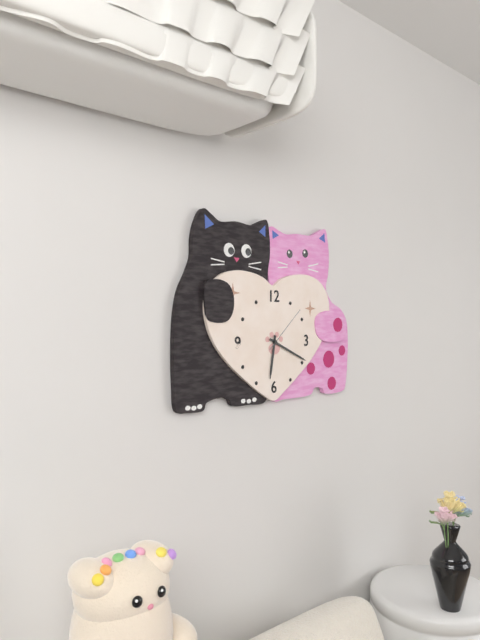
6:19:08
